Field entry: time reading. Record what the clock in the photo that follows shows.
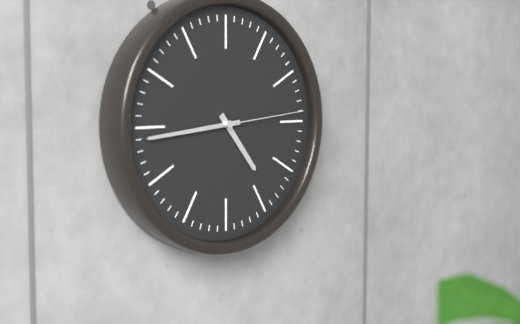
4:44:14
